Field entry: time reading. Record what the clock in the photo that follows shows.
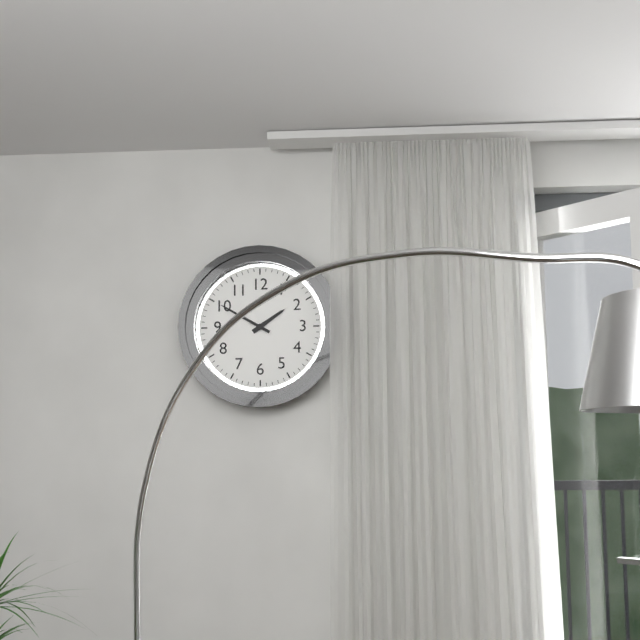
1:50
